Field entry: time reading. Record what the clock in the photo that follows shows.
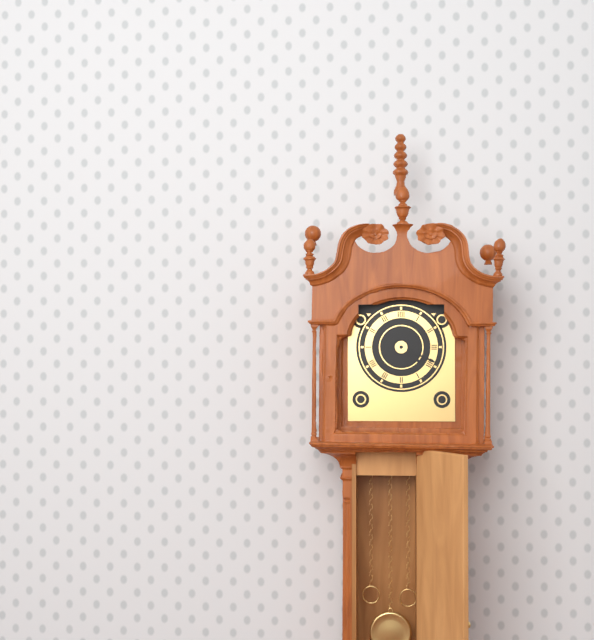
4:19
